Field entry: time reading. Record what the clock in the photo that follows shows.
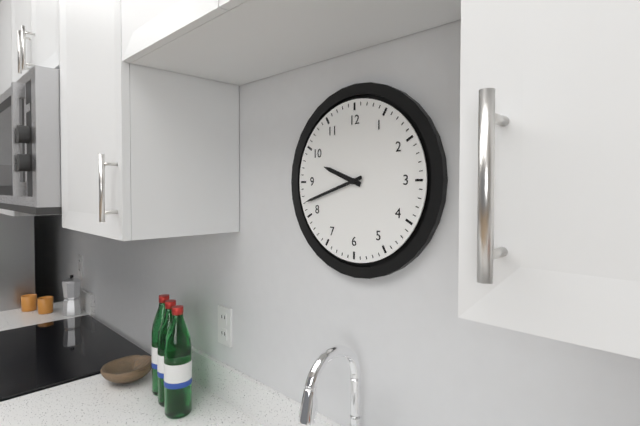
9:42
